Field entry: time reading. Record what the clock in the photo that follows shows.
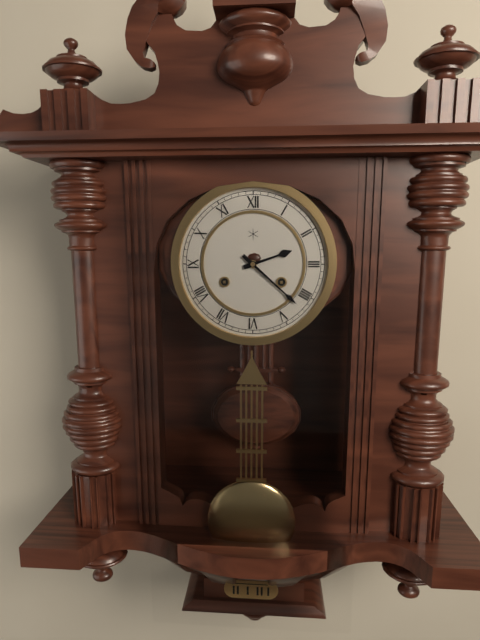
2:22
